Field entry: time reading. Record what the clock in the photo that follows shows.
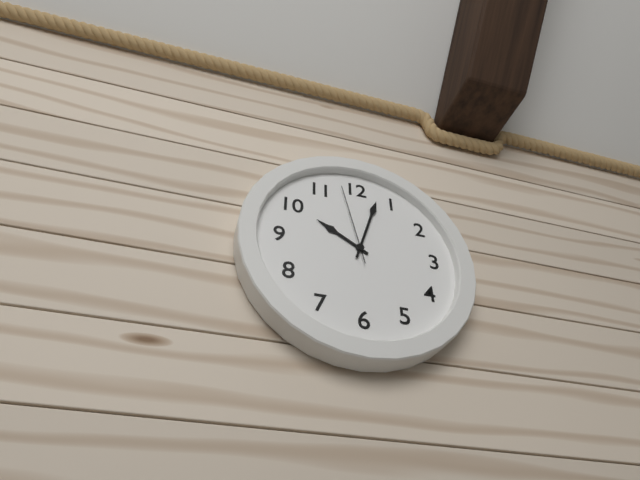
10:03:58
